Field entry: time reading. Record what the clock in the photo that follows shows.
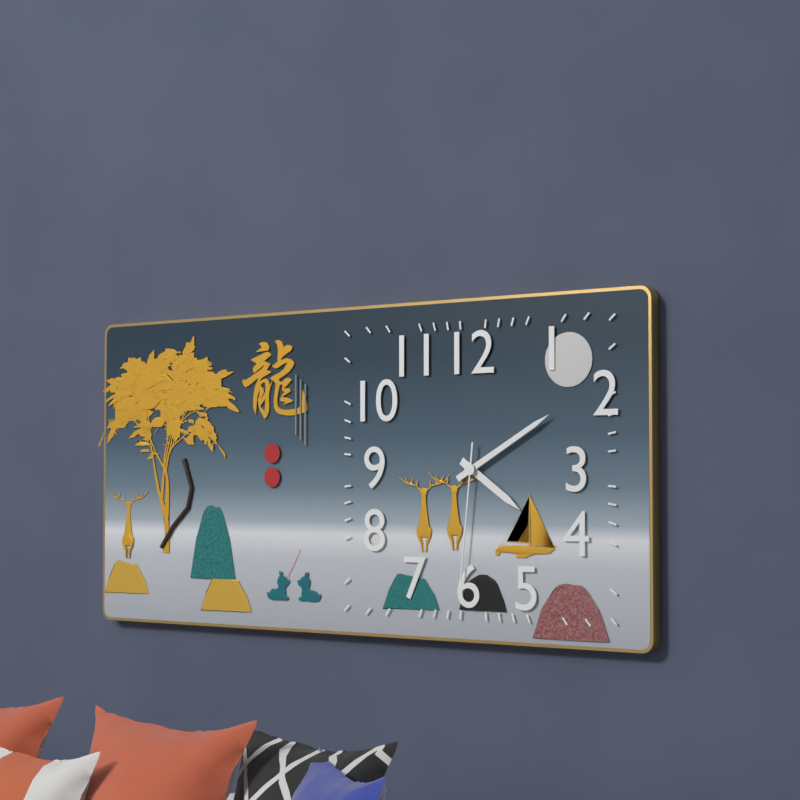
4:10:31
